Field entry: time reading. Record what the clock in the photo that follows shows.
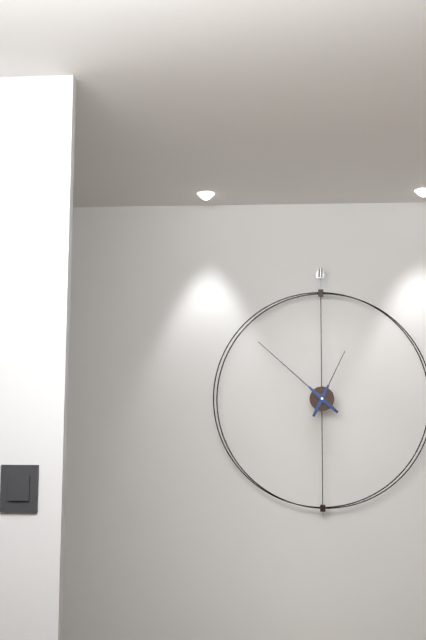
12:52
